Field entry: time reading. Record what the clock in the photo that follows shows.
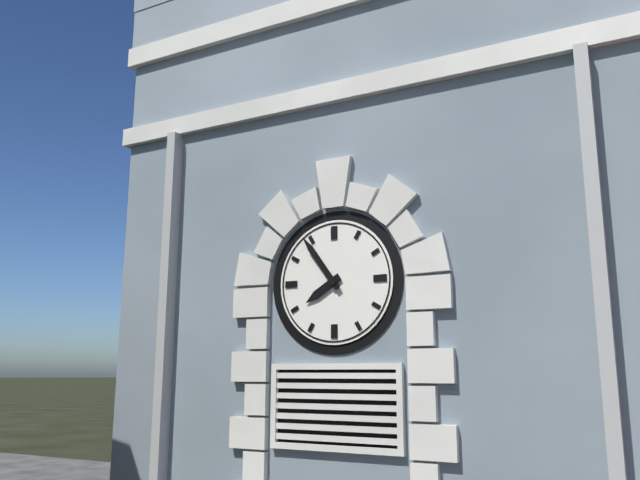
7:54
